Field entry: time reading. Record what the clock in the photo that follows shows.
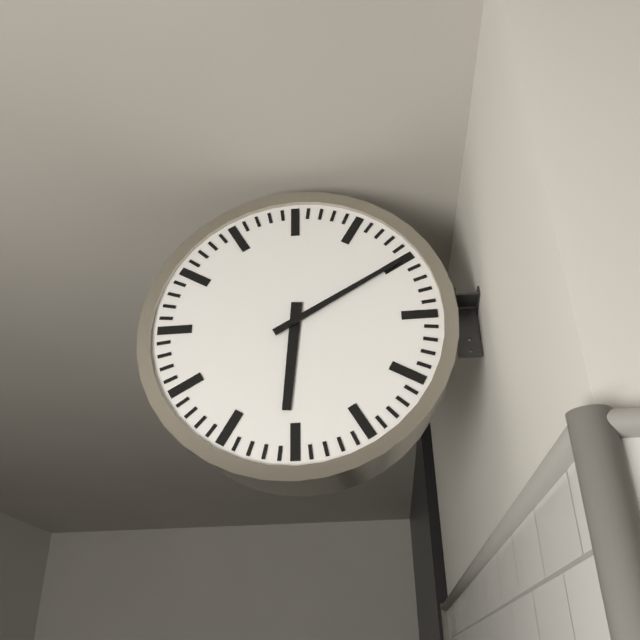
6:10
